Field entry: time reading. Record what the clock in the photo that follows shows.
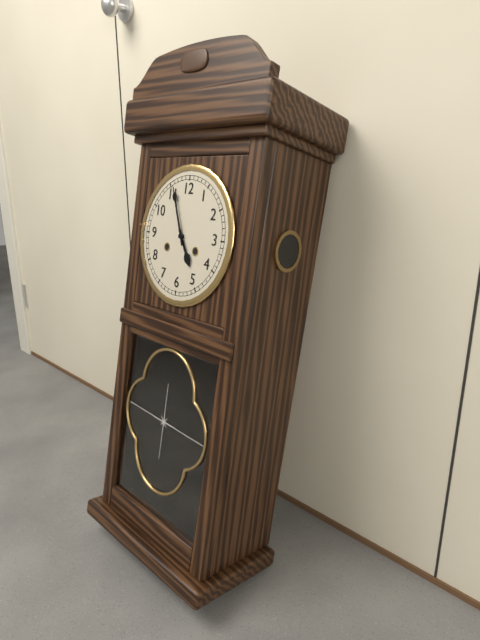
4:56
